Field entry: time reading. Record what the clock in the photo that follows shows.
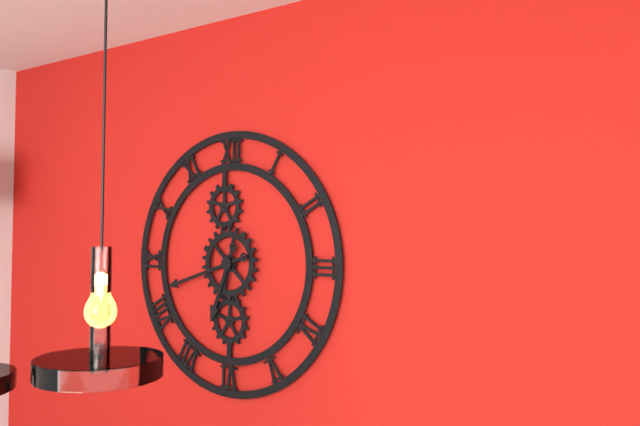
6:42
